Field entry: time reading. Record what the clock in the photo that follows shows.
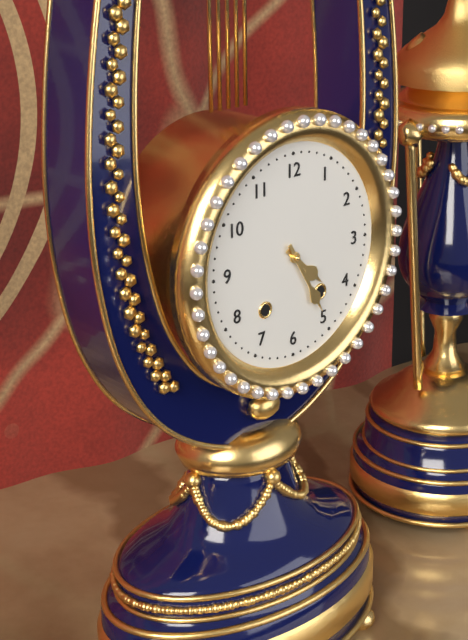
4:25
